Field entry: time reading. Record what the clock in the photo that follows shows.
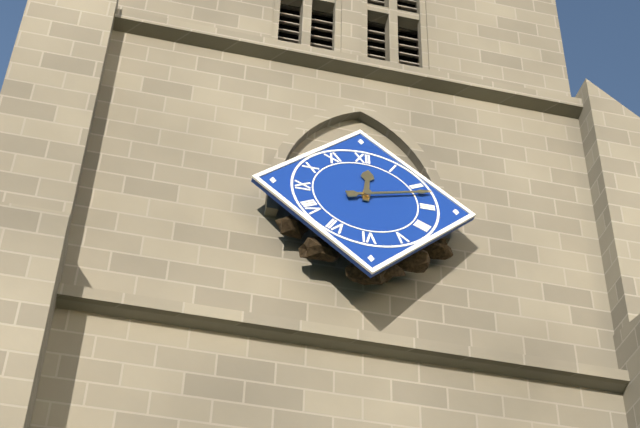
12:12
